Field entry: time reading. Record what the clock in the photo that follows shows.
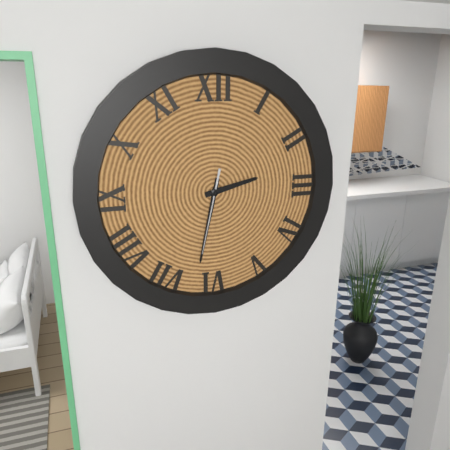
2:32:32
